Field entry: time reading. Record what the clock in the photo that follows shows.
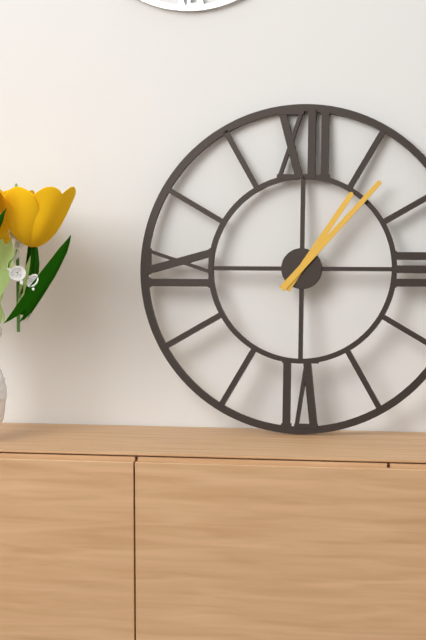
1:07
